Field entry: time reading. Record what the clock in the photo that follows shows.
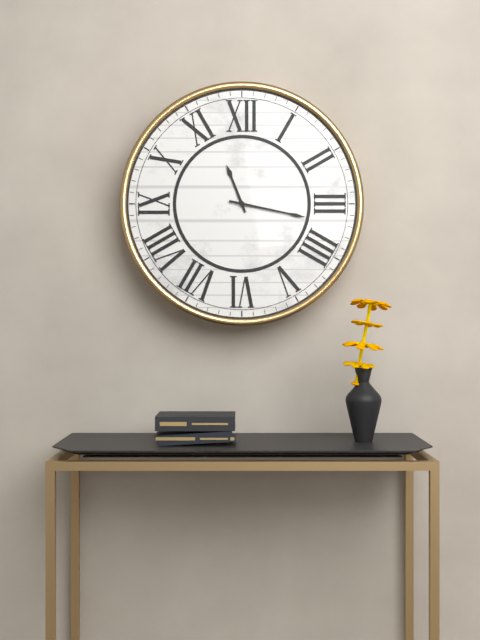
11:17
